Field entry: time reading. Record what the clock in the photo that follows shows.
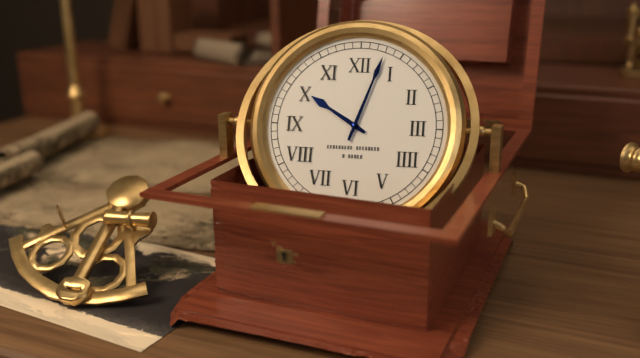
10:03
